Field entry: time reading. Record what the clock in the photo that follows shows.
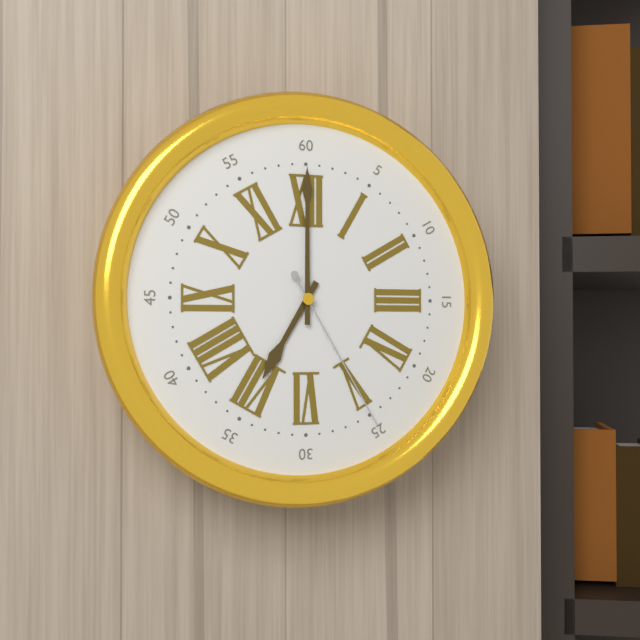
7:00:25
